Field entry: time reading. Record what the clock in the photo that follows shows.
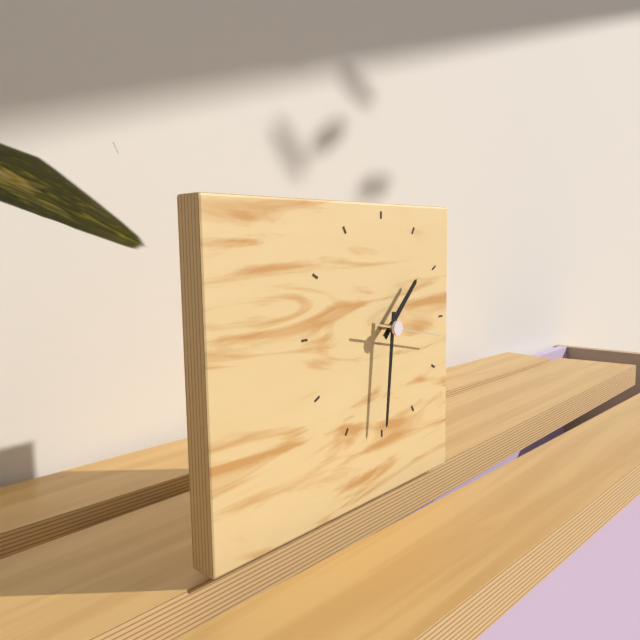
1:31:17
